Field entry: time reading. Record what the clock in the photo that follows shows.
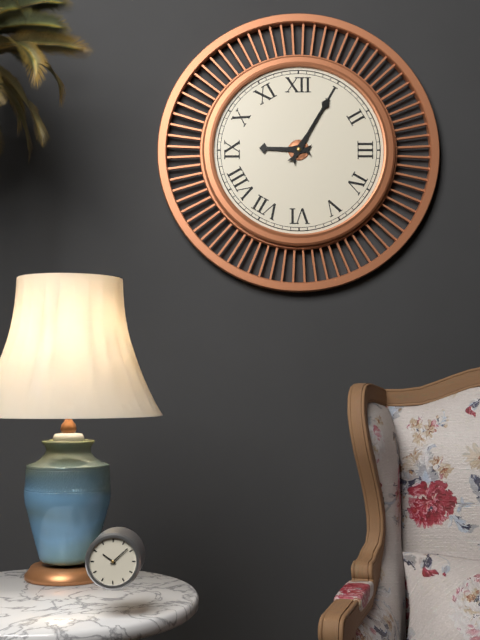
9:05
